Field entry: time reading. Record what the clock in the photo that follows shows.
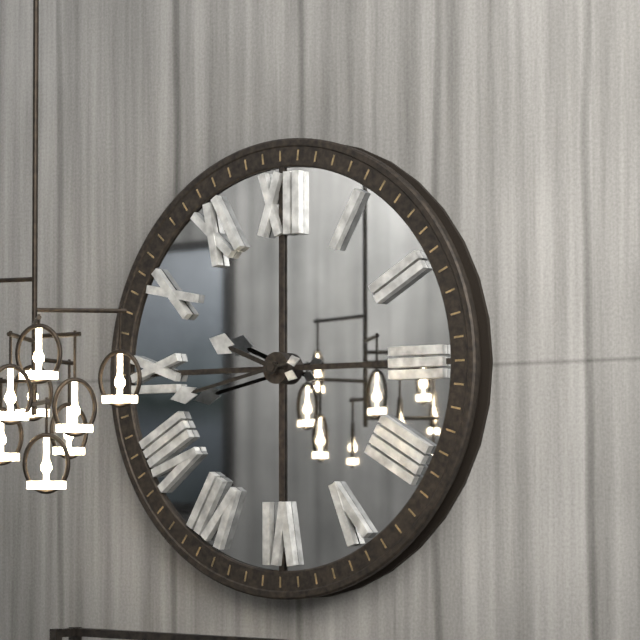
9:43
